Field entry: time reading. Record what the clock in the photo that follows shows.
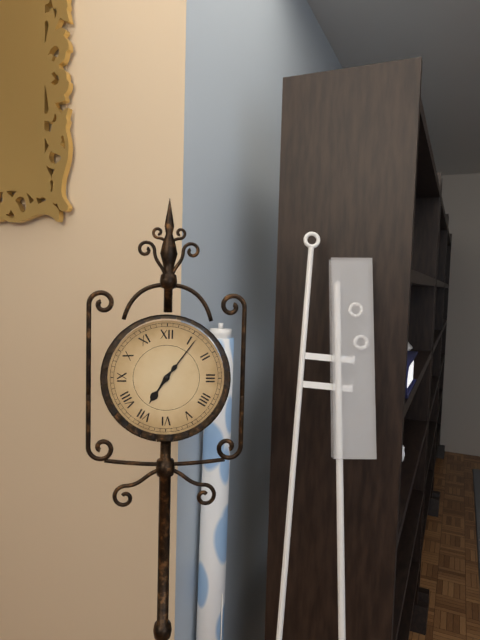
7:06
